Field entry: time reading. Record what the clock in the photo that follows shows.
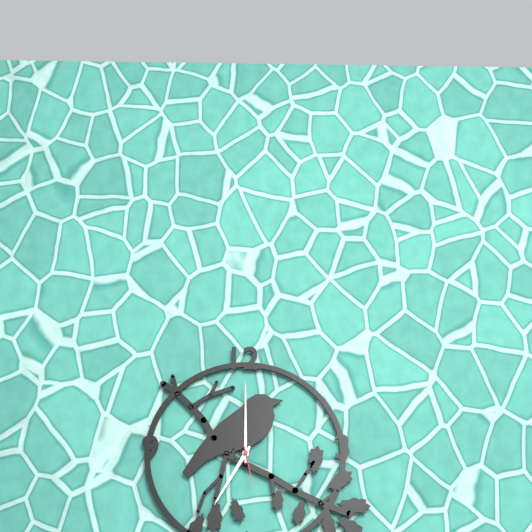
7:00
